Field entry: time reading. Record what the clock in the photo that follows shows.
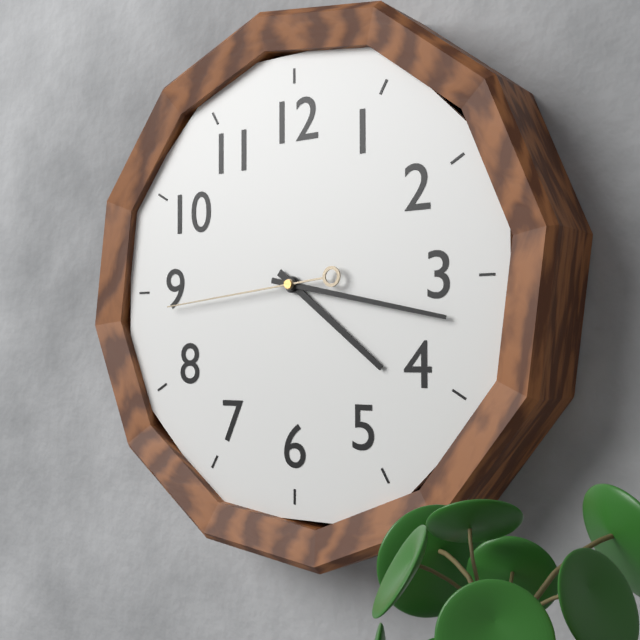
4:17:44
